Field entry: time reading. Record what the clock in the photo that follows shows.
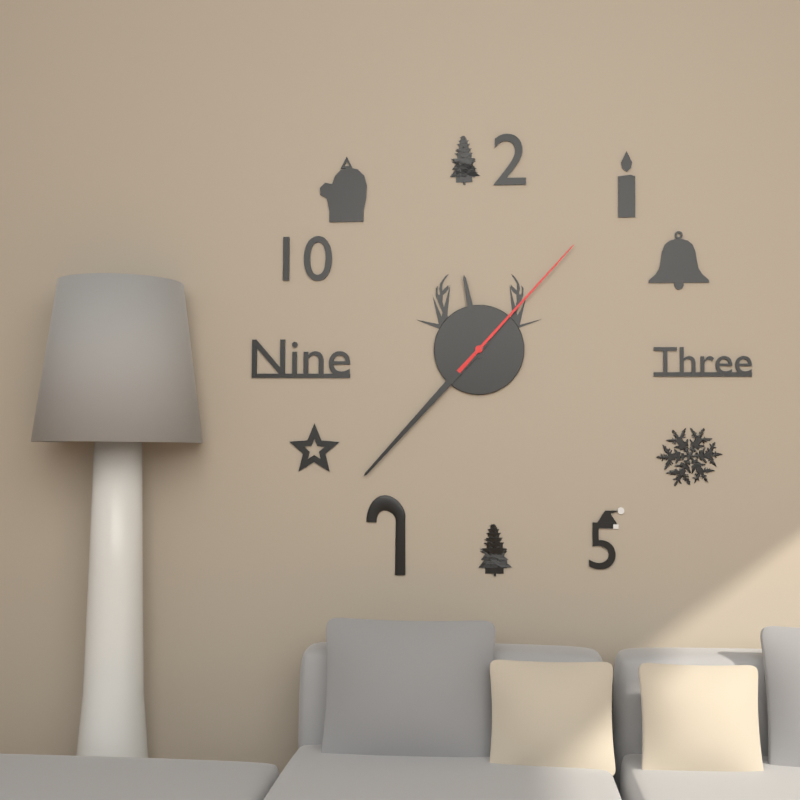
11:37:07
